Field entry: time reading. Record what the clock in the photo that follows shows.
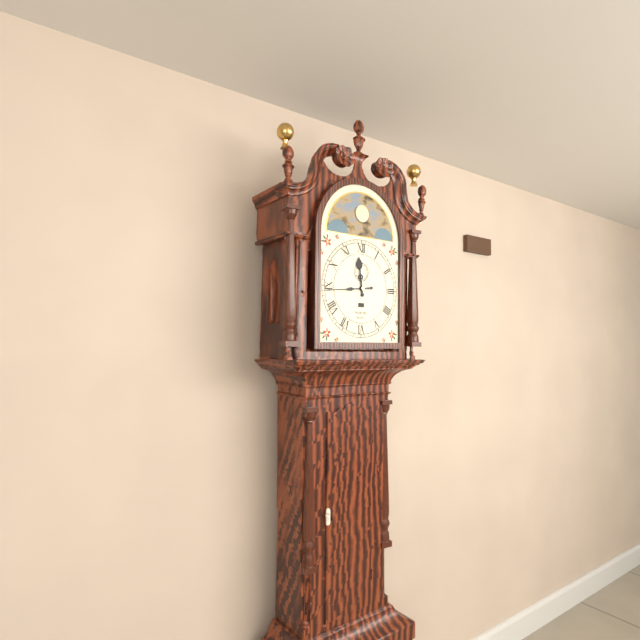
11:44
